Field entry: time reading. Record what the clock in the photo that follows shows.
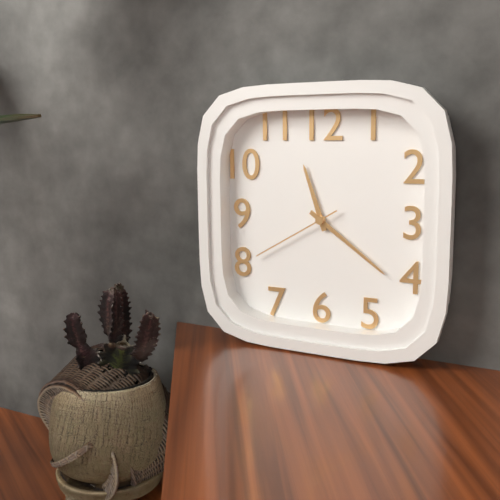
11:21:40
